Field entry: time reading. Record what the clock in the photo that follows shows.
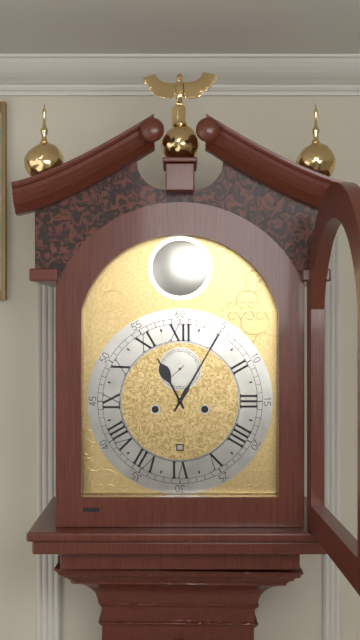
11:05
